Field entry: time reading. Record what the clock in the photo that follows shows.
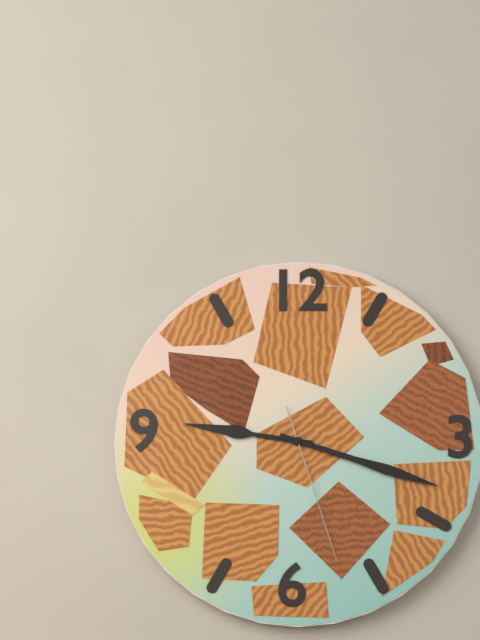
9:18:27
